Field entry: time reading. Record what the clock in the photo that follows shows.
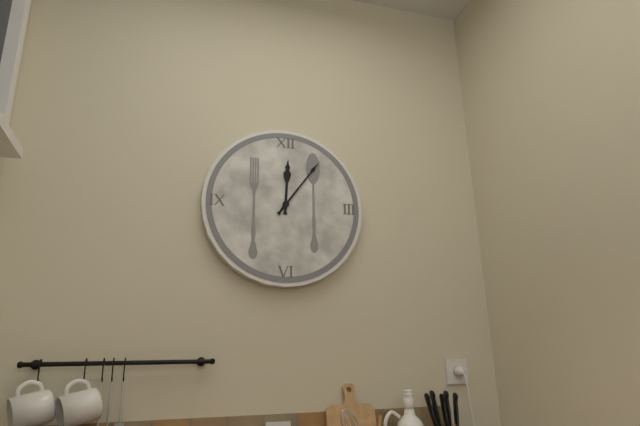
12:06
